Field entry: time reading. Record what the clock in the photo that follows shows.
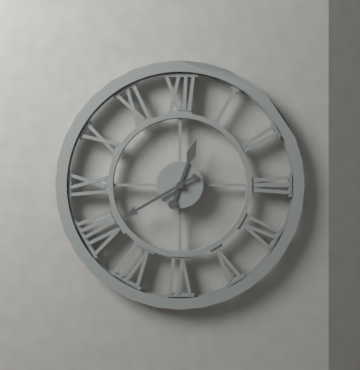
12:40
